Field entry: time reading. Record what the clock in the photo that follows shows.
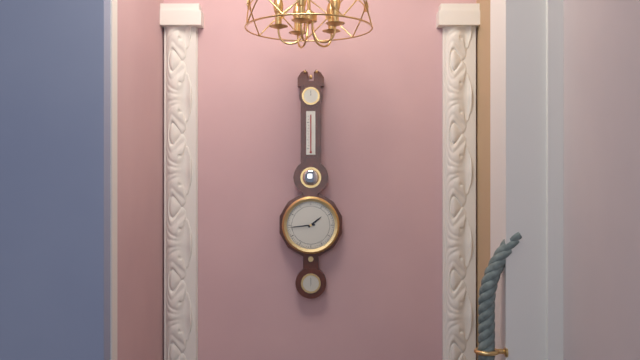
1:44
